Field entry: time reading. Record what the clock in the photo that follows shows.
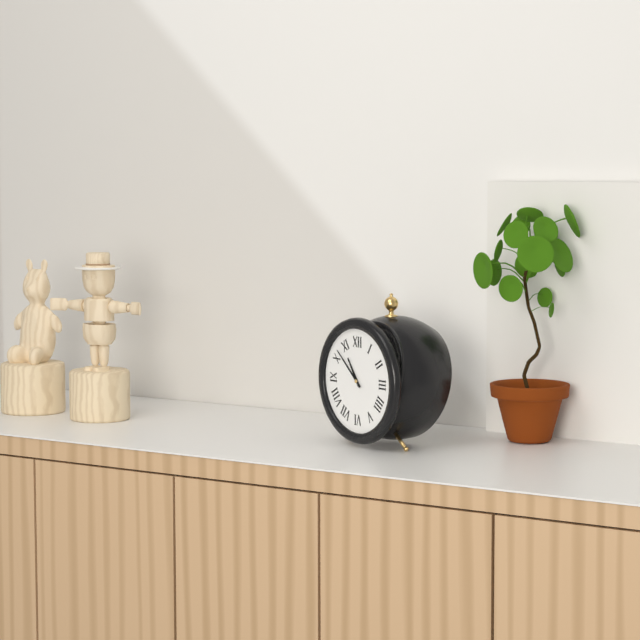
10:52
